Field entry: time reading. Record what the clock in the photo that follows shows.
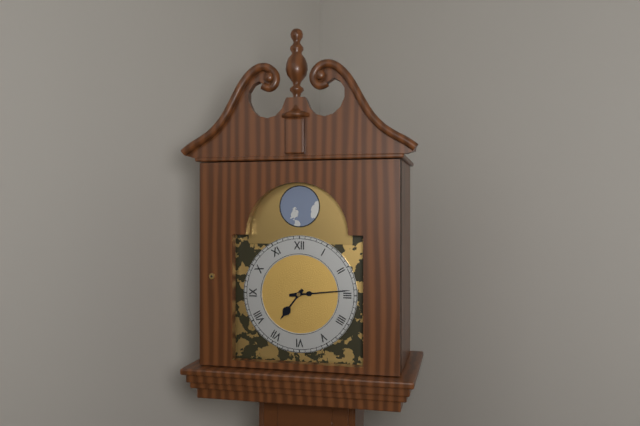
7:14
